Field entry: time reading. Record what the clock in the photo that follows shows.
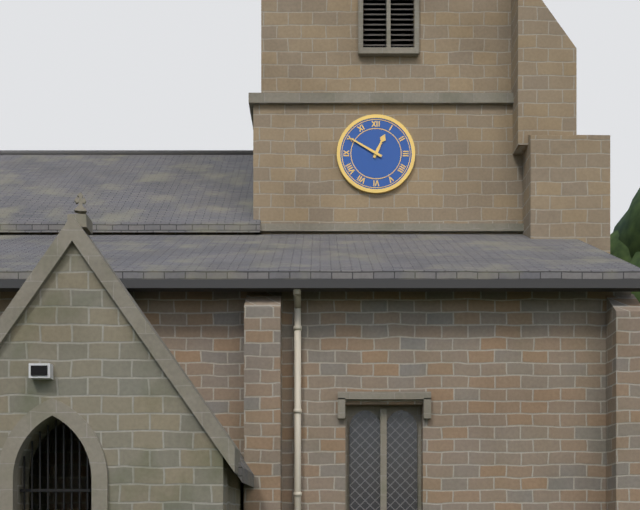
12:50
